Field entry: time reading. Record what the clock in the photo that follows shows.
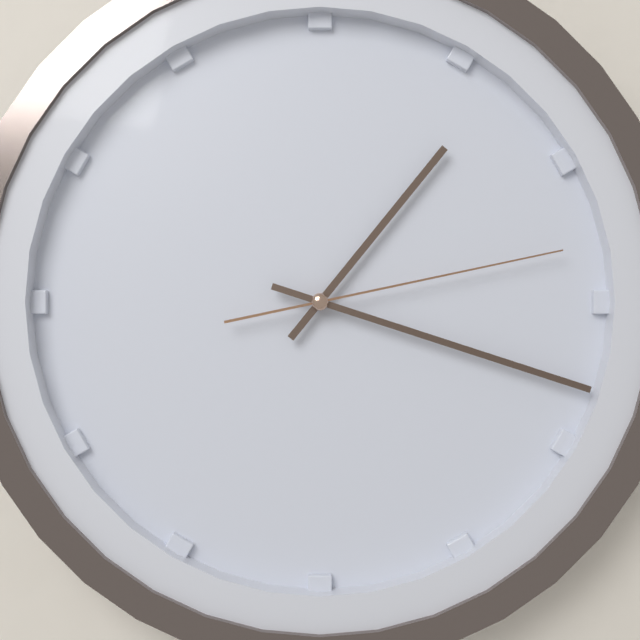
1:18:13
